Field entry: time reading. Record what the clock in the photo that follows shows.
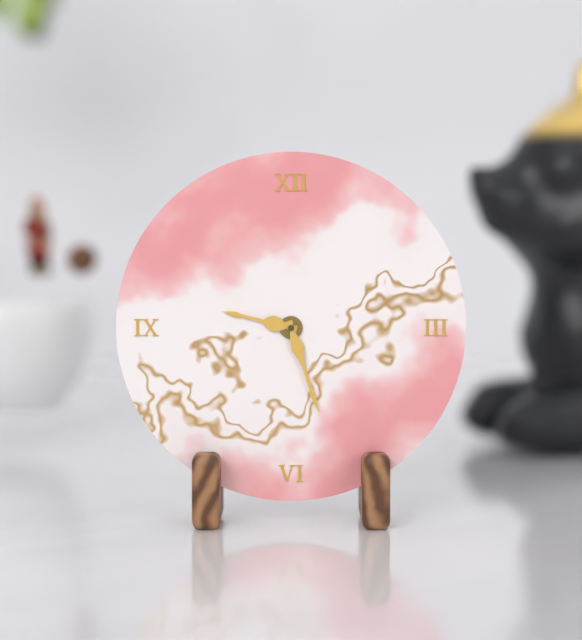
9:27
